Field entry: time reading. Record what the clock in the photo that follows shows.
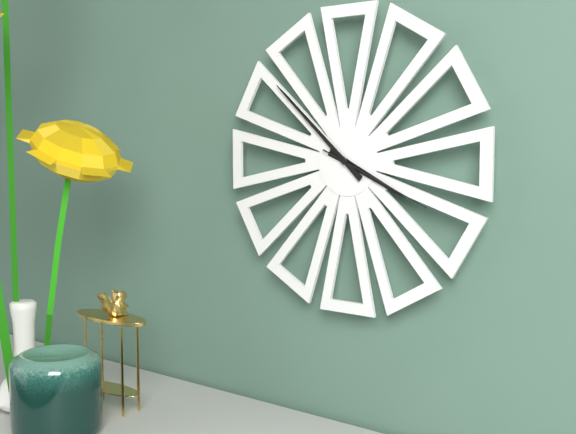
3:52:19
